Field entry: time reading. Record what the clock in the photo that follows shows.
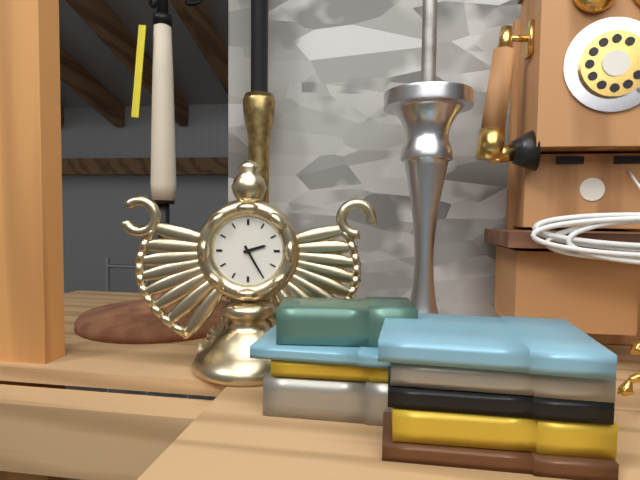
2:25
